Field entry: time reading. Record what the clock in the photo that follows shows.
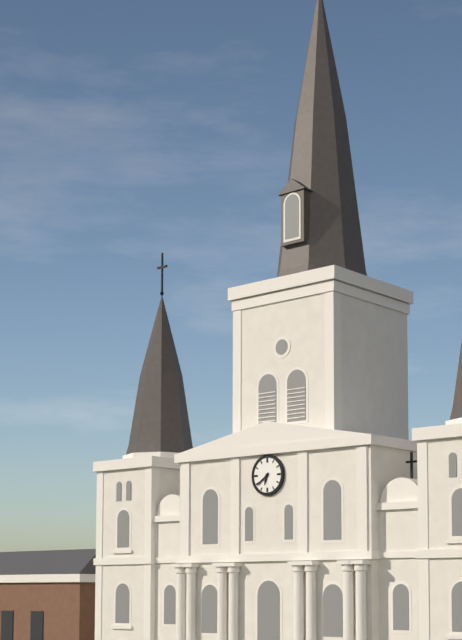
6:39
